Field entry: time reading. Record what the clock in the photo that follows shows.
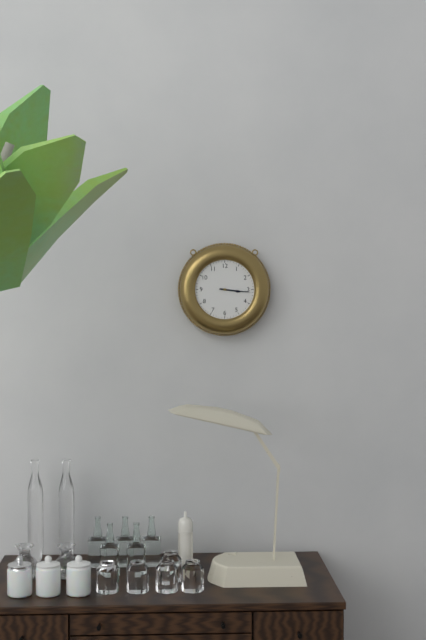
3:16
